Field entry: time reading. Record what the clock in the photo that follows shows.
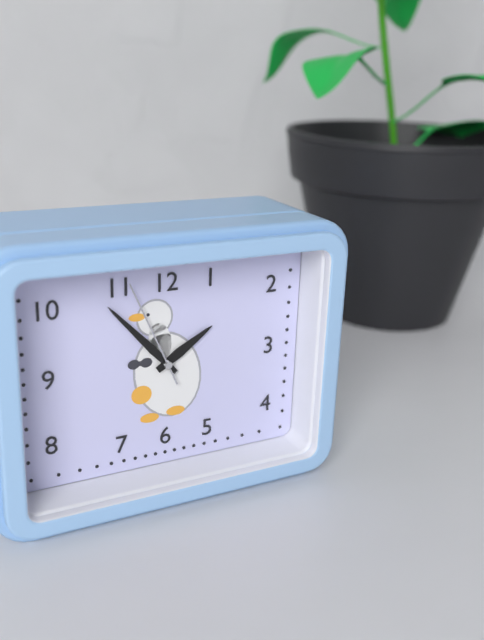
1:53:56
